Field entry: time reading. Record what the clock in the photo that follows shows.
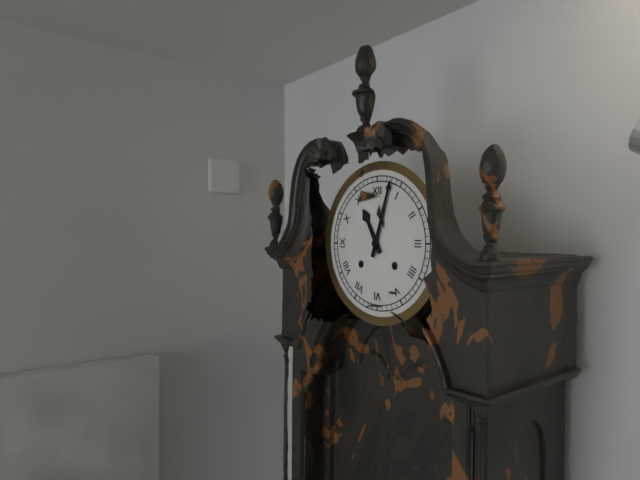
11:03
